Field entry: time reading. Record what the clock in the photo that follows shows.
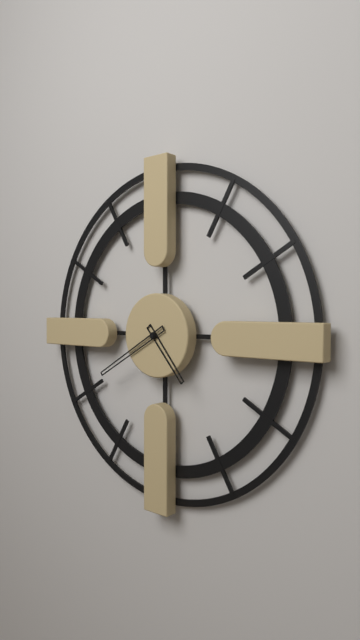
4:40
